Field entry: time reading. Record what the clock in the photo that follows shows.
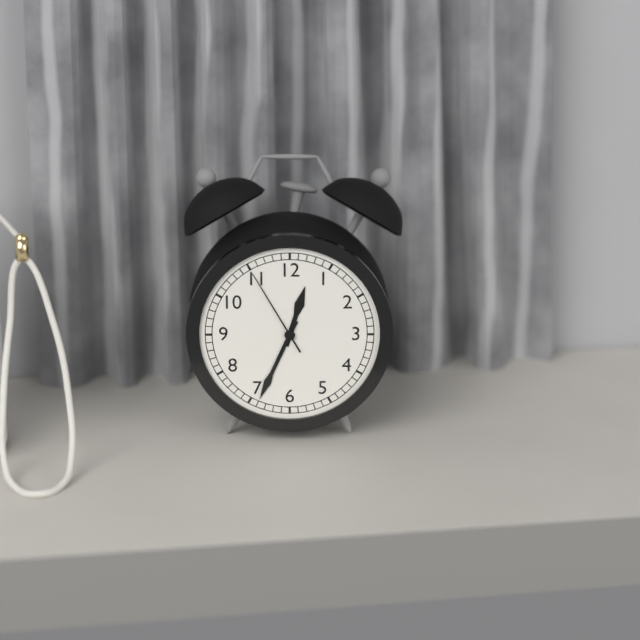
12:34:55
